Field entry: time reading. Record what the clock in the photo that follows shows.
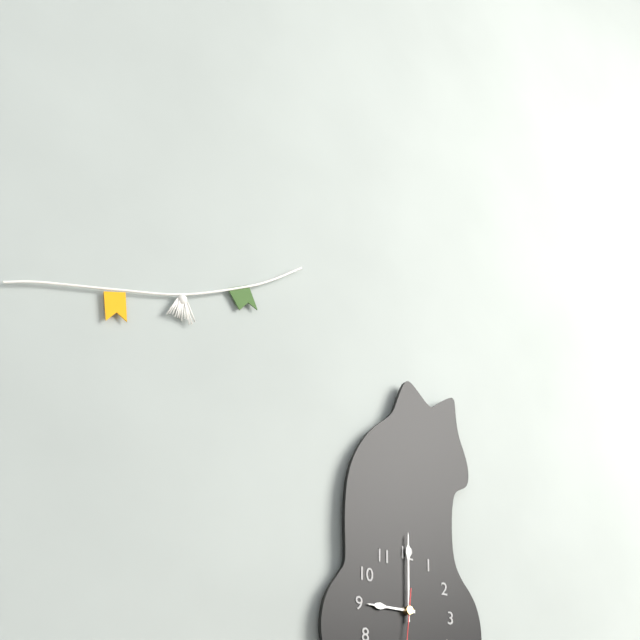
9:00
